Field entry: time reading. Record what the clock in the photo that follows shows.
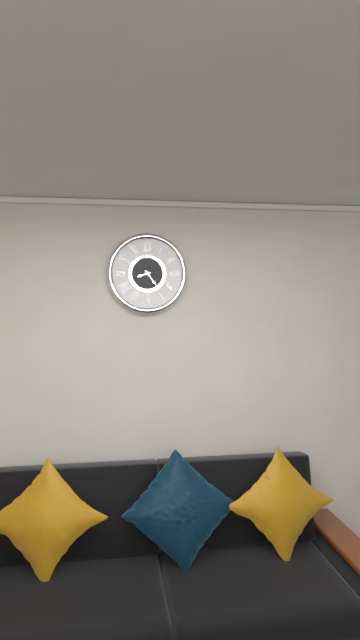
8:24
